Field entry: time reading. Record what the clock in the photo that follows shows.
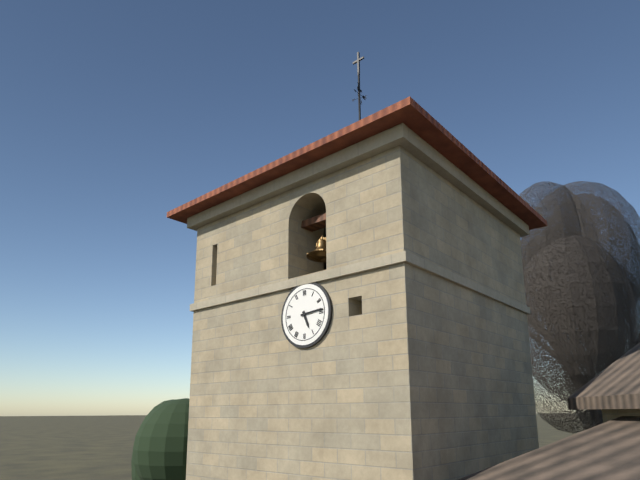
5:14
